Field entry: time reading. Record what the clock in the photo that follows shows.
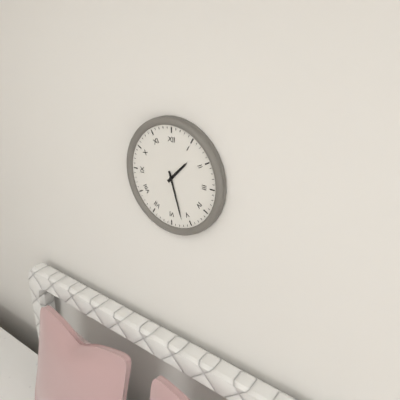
1:27
